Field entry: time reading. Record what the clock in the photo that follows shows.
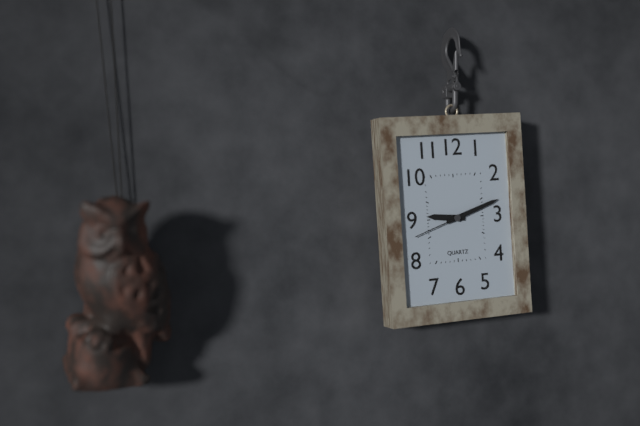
9:12:42
